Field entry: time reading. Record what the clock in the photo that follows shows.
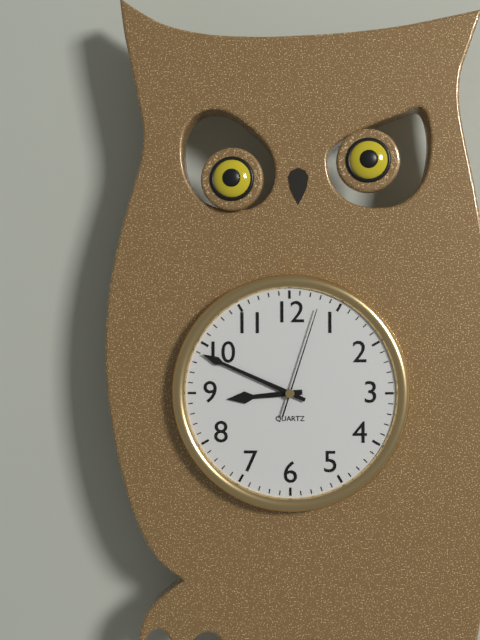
8:49:03
